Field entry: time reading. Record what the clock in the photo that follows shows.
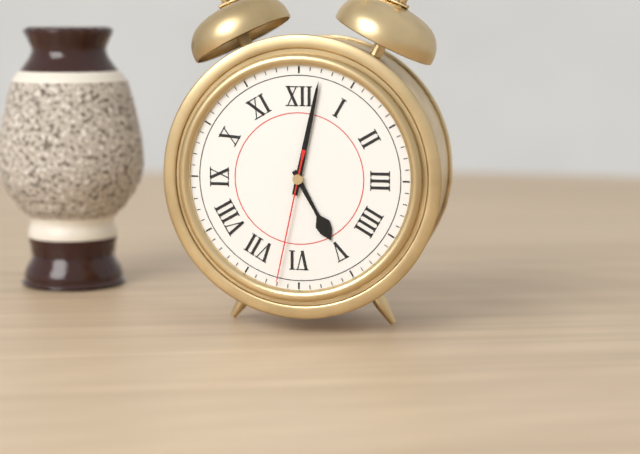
5:02:32
